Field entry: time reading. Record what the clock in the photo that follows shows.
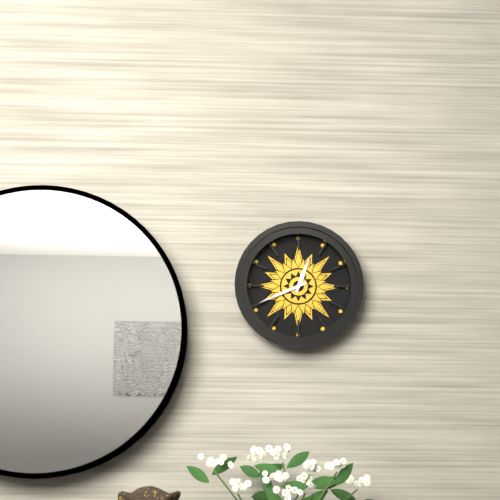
12:41
